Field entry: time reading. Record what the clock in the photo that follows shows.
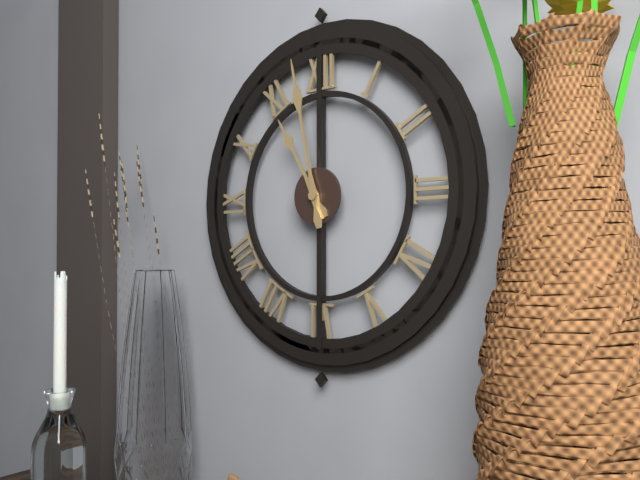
10:58
